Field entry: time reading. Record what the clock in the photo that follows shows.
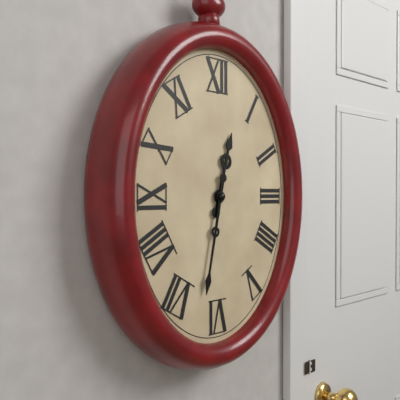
12:32
